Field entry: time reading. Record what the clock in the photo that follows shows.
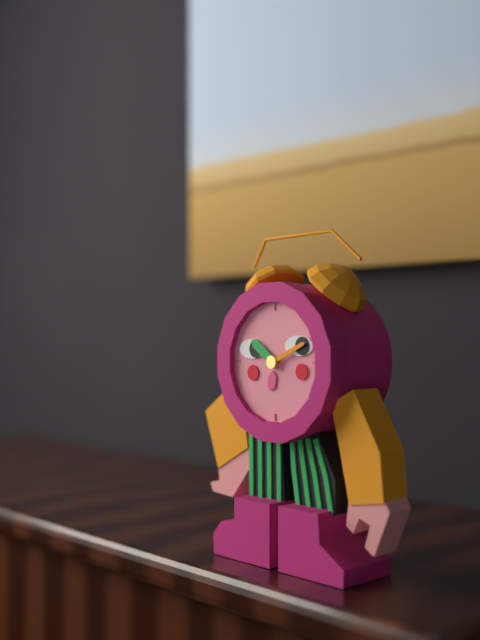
10:11
